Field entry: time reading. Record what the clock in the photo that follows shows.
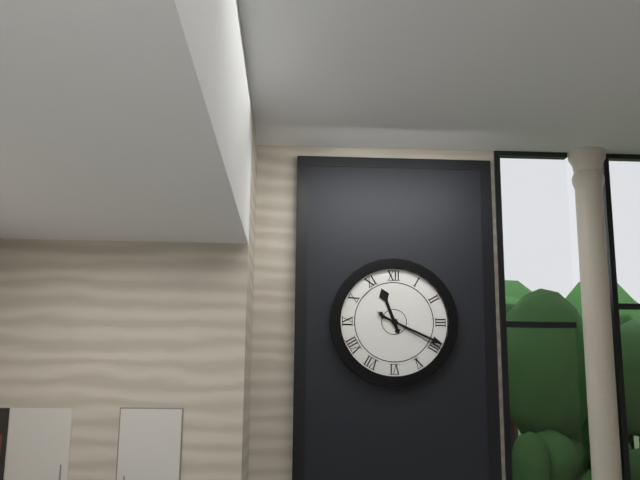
11:19:20
